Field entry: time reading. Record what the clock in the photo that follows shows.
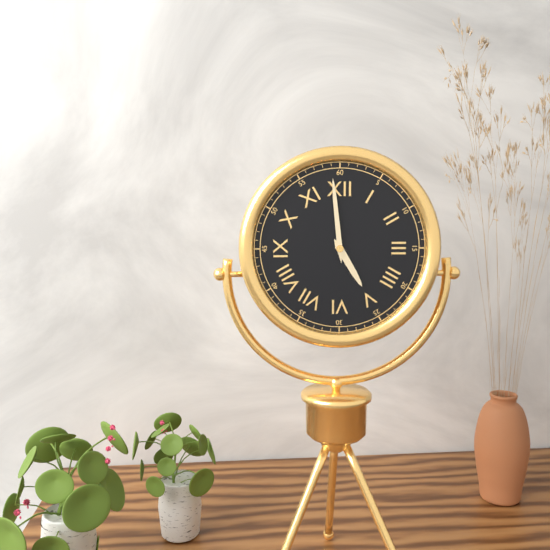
4:59
